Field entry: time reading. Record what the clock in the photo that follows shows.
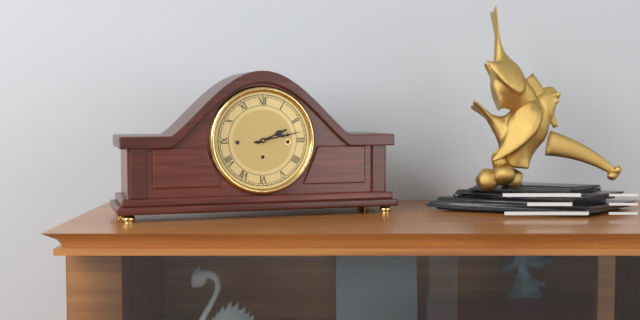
2:13
